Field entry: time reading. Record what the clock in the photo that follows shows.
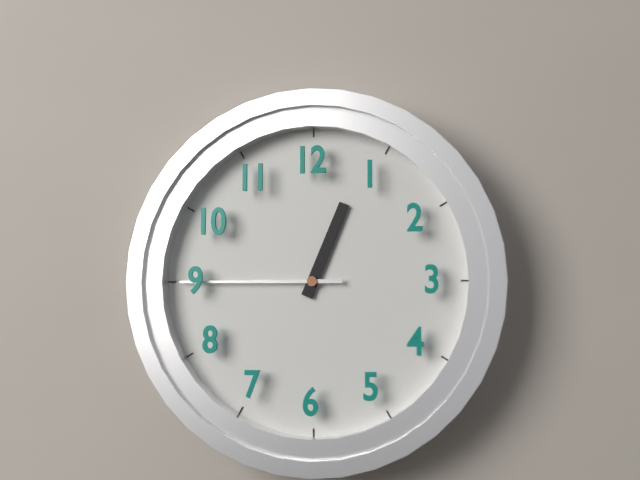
12:45
